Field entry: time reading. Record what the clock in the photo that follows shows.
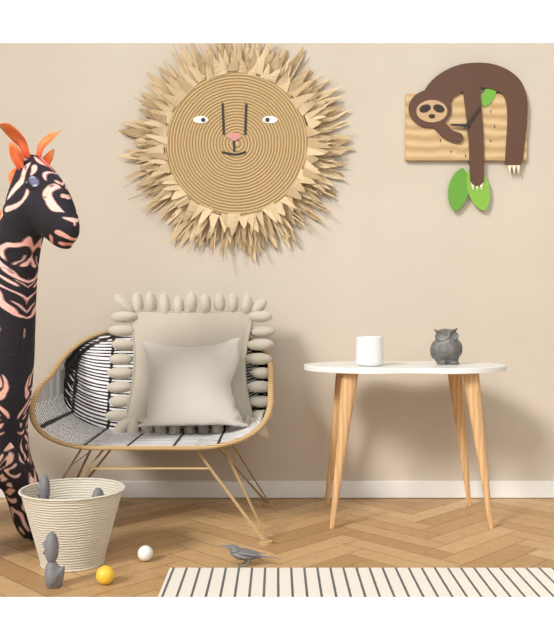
9:06
